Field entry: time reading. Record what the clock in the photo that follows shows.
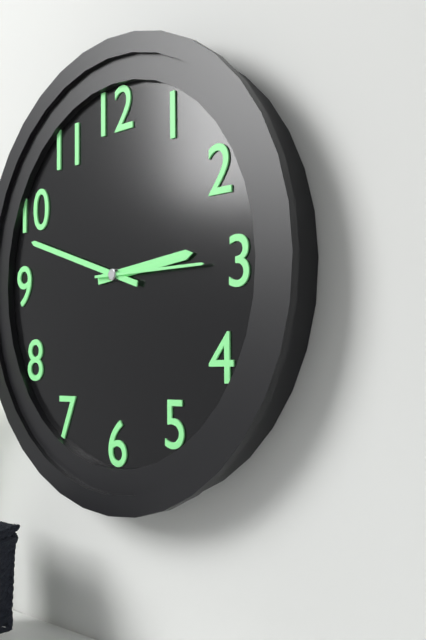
2:48:15
